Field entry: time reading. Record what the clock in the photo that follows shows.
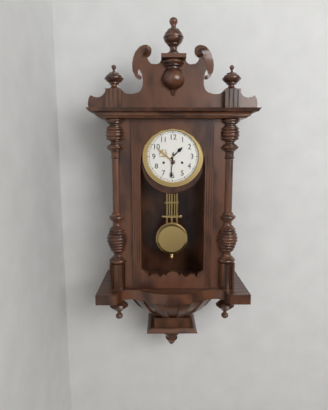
1:31
